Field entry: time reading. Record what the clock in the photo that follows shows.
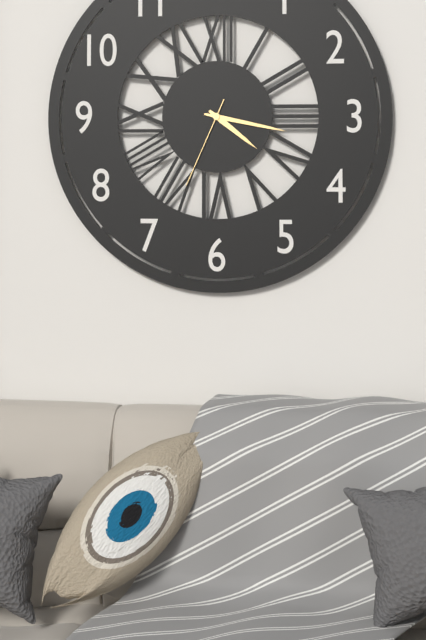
4:17:34
